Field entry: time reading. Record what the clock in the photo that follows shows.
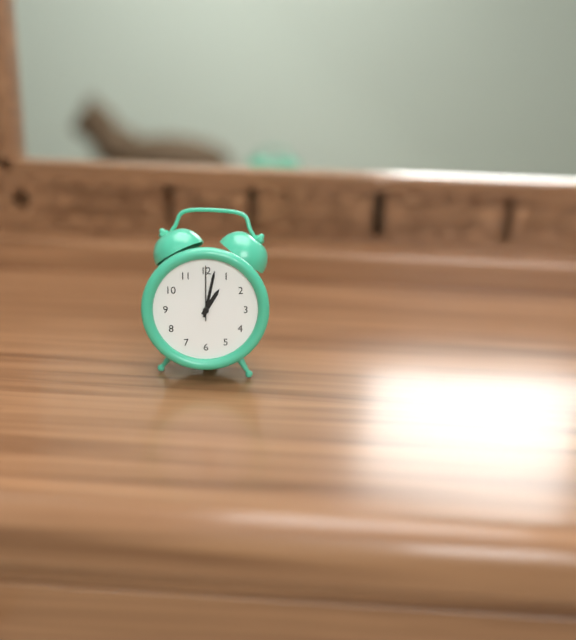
1:02:00
